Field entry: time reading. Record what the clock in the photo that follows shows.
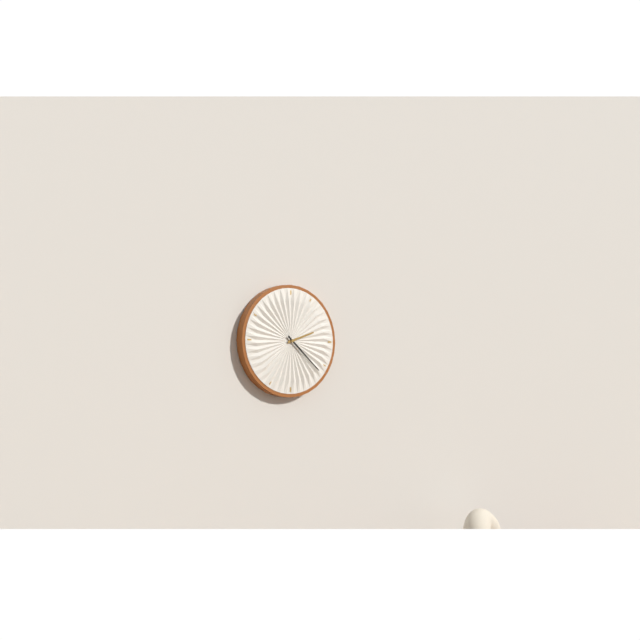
2:22
